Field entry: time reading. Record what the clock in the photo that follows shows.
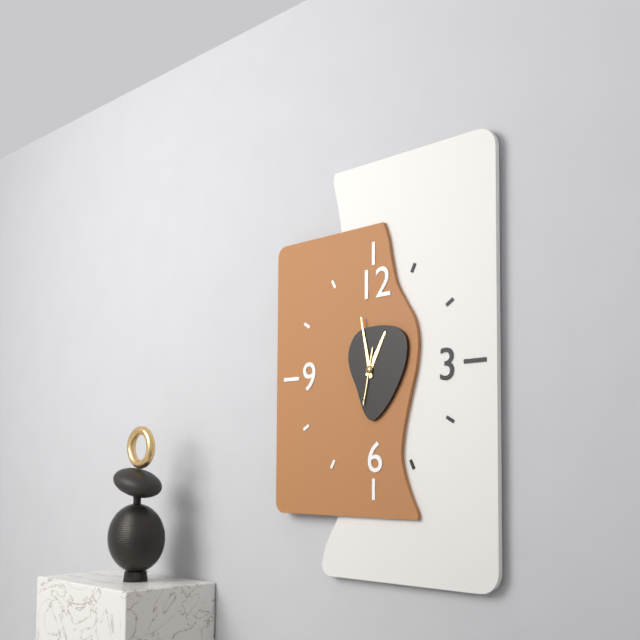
12:58
